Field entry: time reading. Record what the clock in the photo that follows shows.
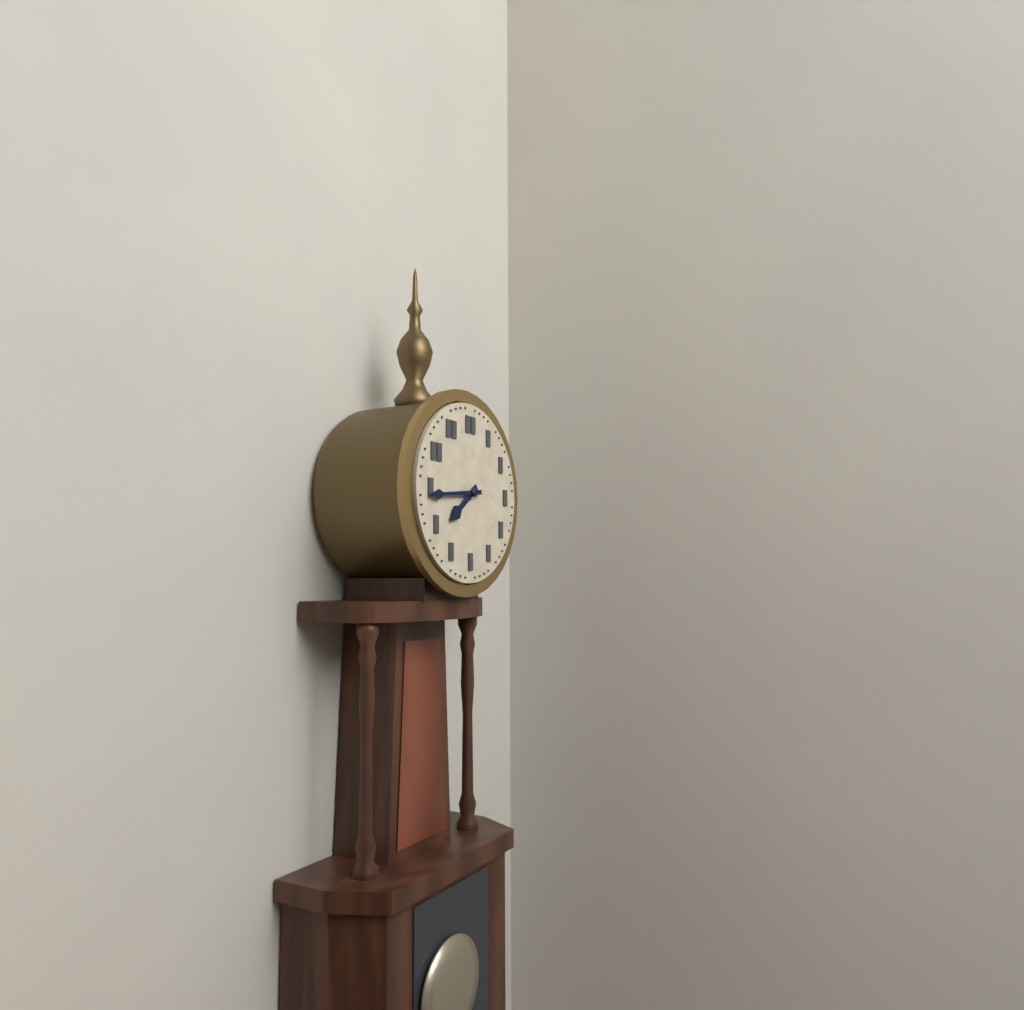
7:44
